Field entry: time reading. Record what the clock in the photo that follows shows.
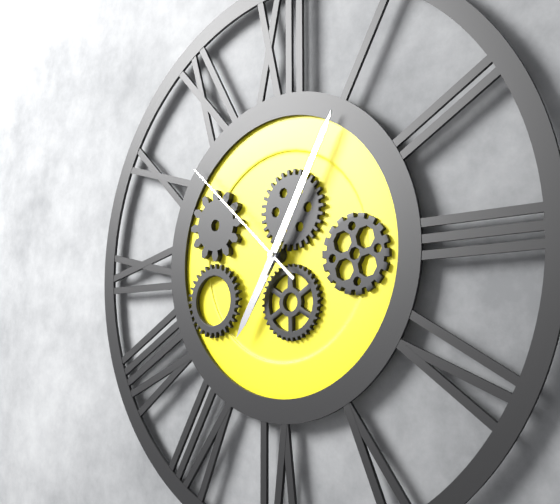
7:05:52
